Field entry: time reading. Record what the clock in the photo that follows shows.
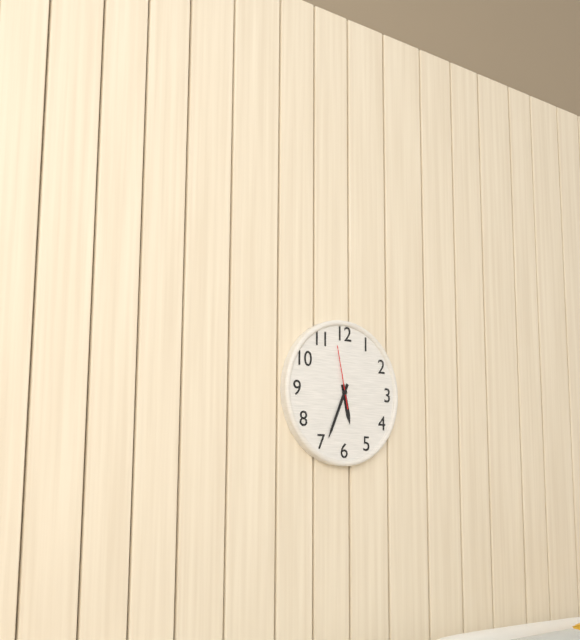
5:34:58
